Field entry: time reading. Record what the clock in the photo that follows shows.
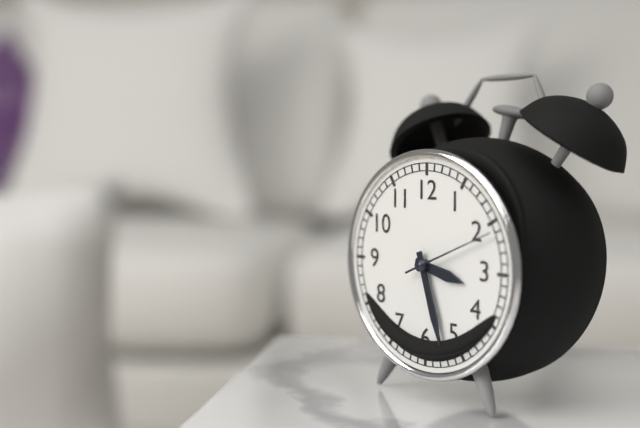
3:27:11
